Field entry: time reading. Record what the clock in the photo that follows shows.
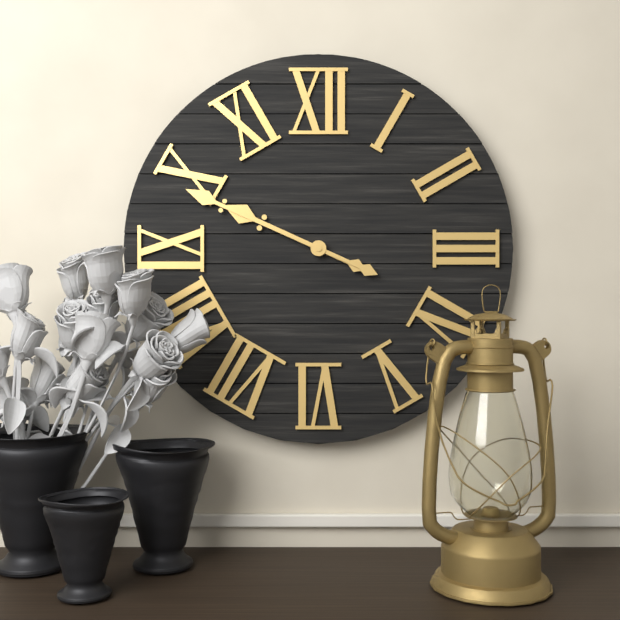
9:49
